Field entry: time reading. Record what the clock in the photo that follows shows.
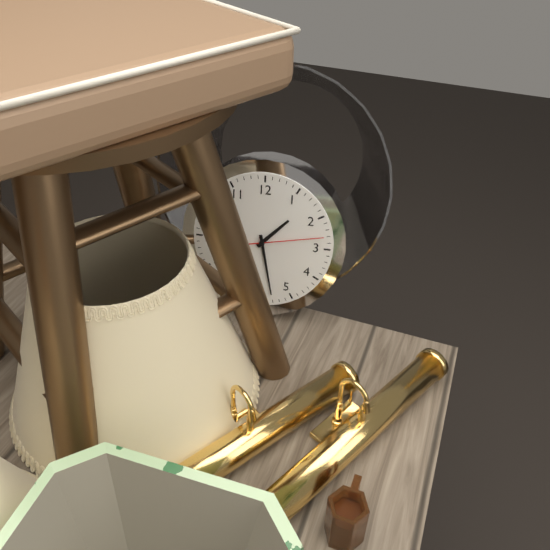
1:28:13
